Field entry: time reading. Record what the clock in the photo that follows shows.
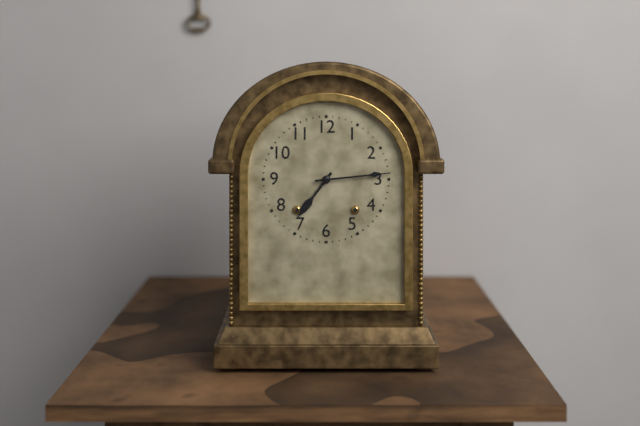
7:14
